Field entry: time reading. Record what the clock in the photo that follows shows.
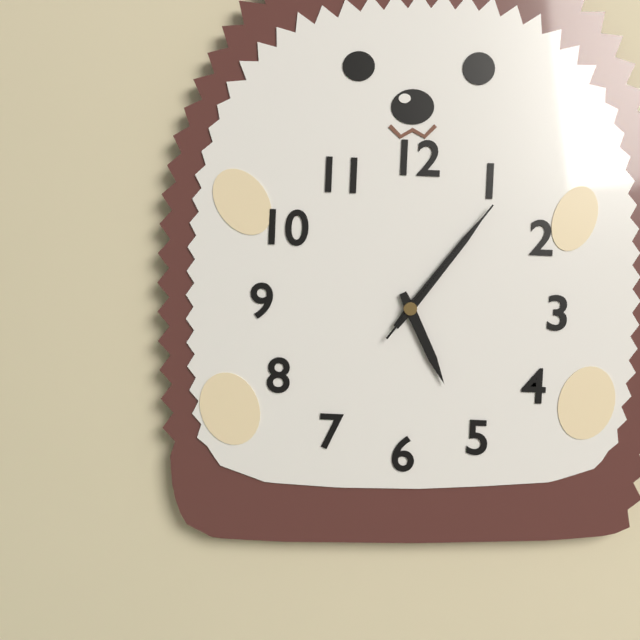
5:06:06
